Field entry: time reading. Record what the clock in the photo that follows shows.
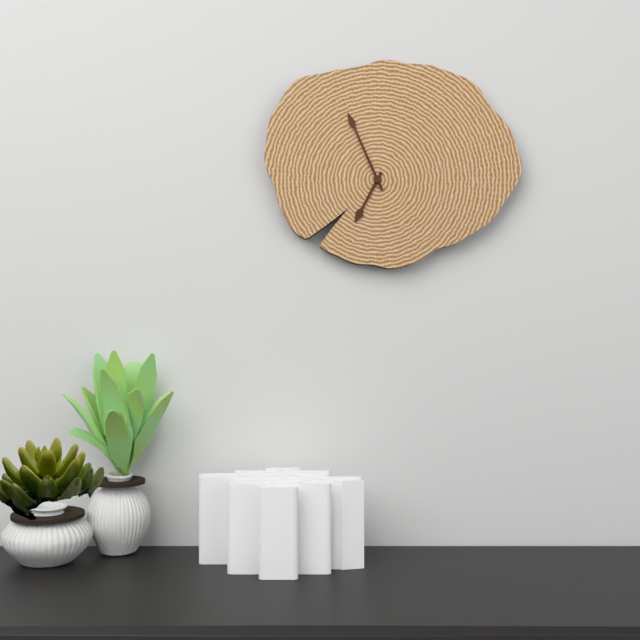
6:56
